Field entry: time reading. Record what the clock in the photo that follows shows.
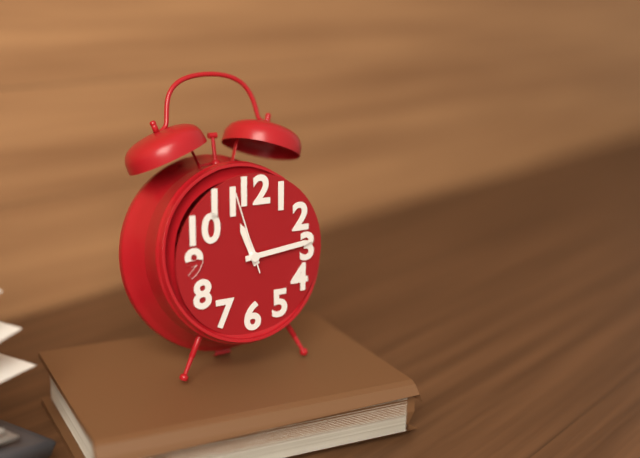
11:14:57
